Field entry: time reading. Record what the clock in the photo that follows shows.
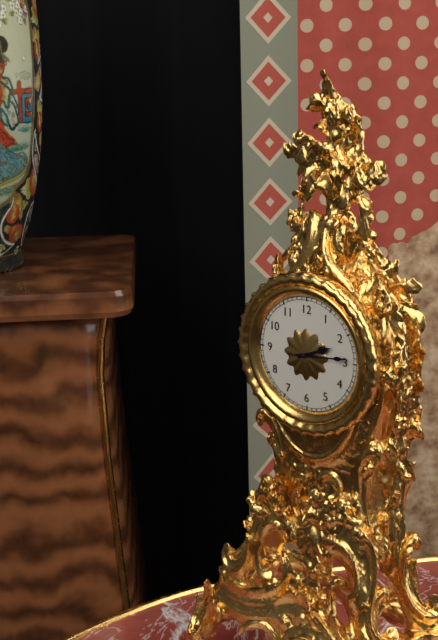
2:14
